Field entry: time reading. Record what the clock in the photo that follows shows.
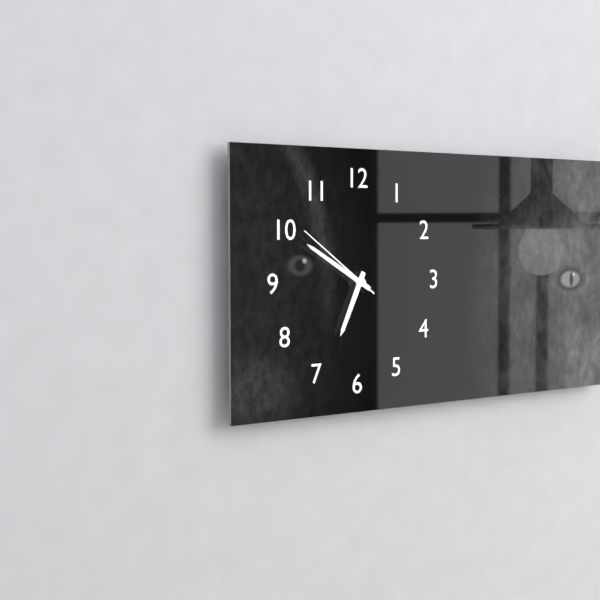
6:50:51
